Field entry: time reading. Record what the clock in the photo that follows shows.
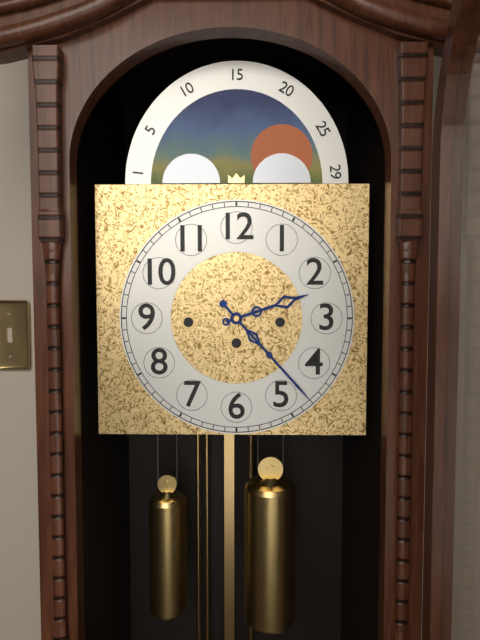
2:23
